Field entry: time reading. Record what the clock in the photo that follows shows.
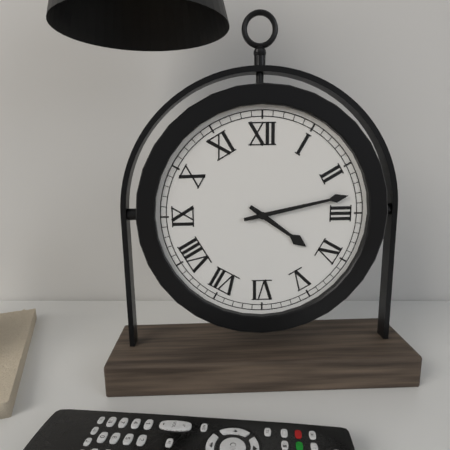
4:13
